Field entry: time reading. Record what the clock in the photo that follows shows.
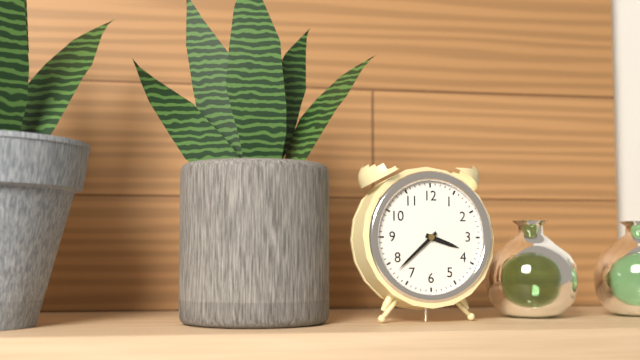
3:38
